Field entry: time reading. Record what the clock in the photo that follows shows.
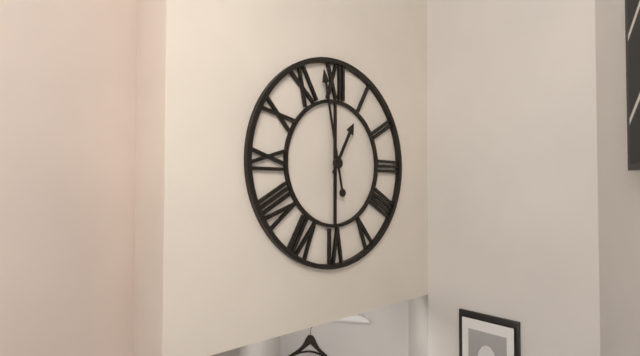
12:58
